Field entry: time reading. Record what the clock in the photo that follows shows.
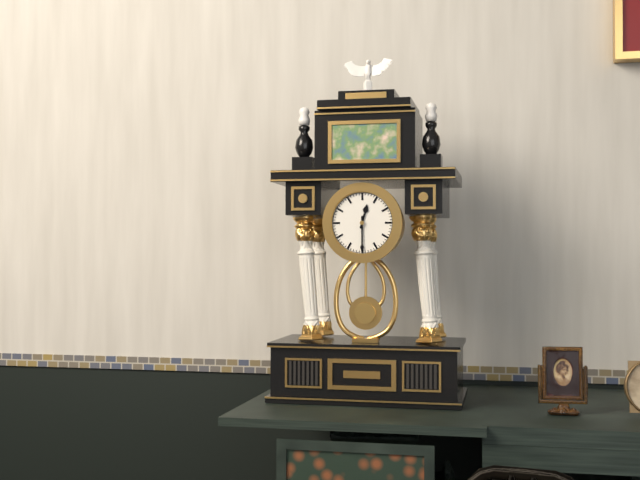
12:30
